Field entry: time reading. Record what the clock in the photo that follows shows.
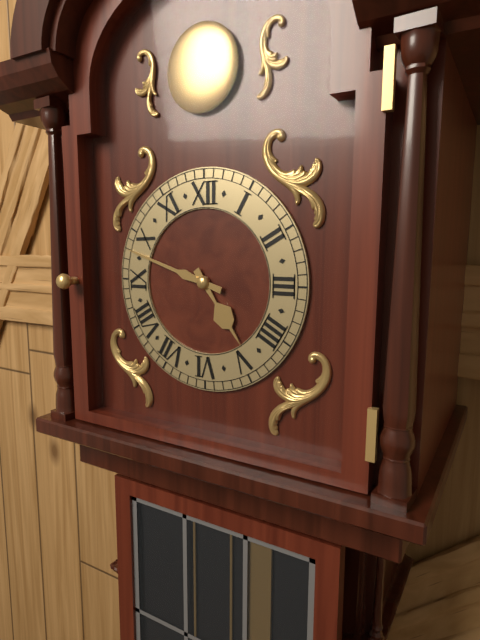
4:48
